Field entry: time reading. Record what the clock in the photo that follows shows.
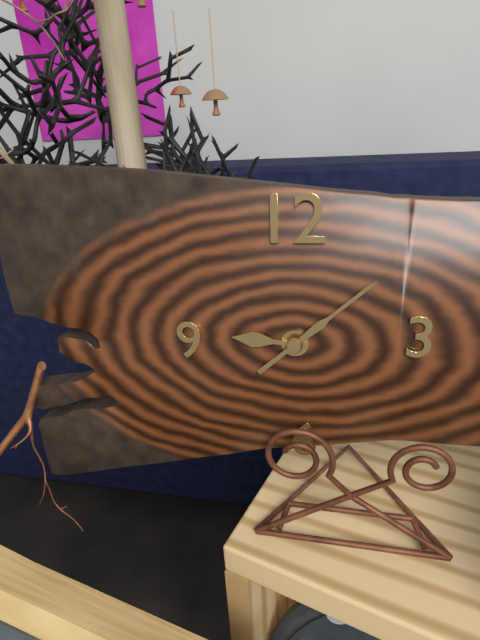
9:08
